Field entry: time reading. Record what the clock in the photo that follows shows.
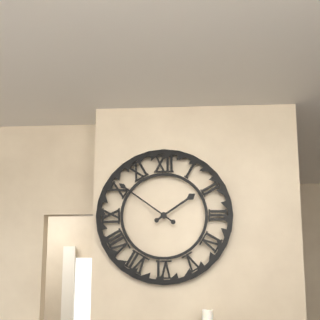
1:51
